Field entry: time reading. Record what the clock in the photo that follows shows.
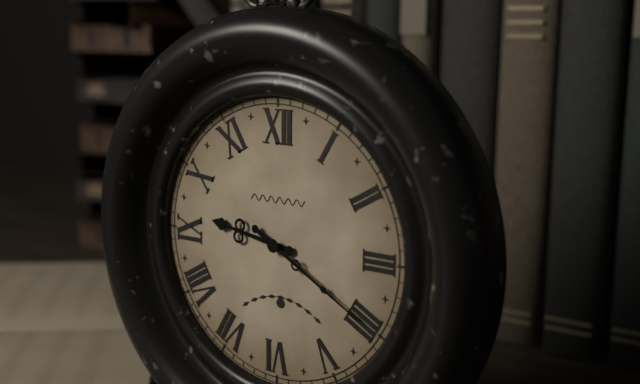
9:20
